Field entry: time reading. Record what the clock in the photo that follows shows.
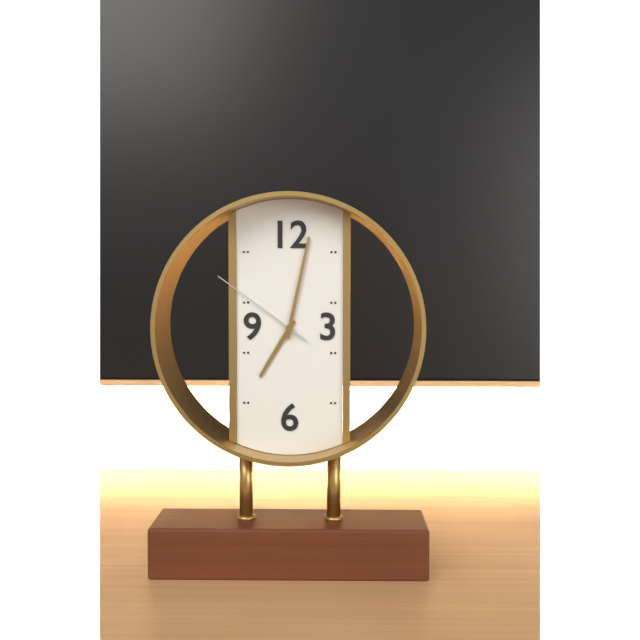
7:02:51
